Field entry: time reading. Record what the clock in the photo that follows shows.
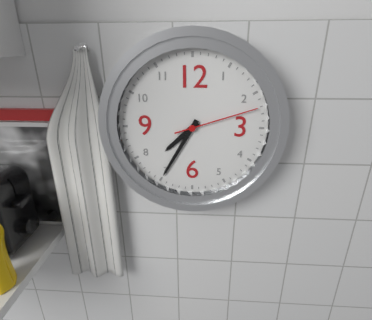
7:35:12
